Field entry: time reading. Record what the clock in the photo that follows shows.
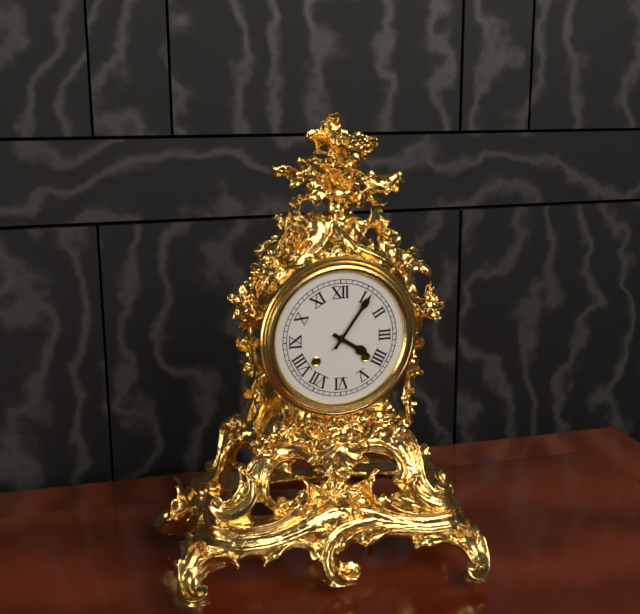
4:06
